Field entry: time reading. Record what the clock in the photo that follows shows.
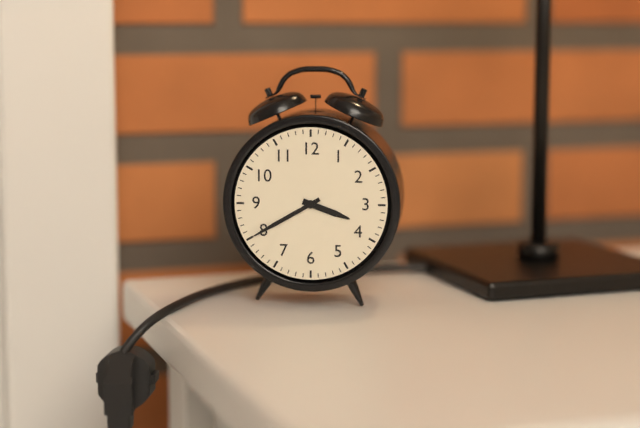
3:40
